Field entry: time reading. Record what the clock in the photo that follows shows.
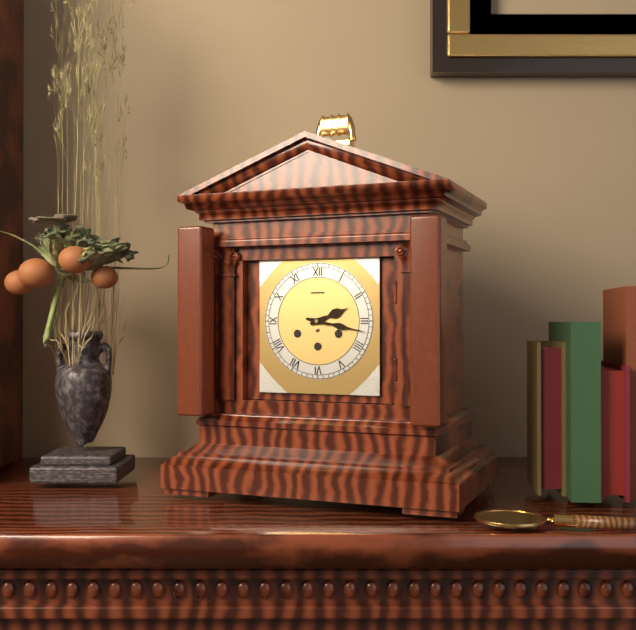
2:17
